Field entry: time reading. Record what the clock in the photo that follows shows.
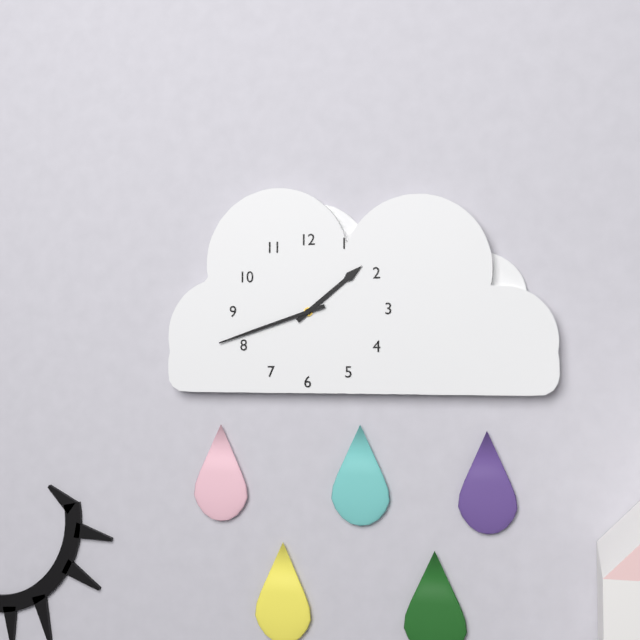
1:42
